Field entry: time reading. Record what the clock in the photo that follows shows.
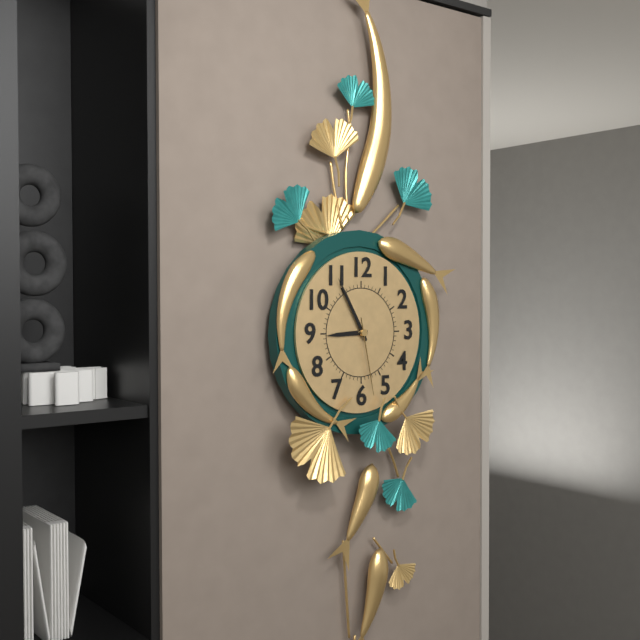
8:55:28
